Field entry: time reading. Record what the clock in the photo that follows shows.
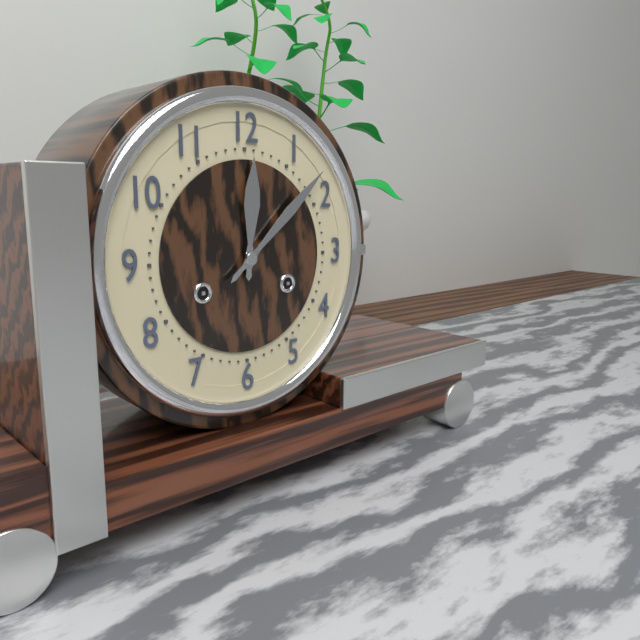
12:08
